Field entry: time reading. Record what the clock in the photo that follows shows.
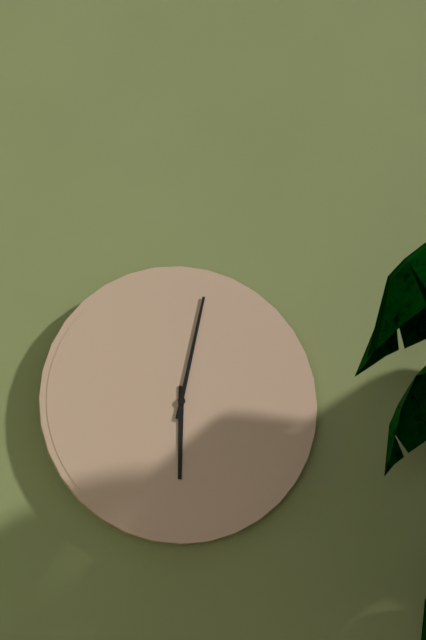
6:02
